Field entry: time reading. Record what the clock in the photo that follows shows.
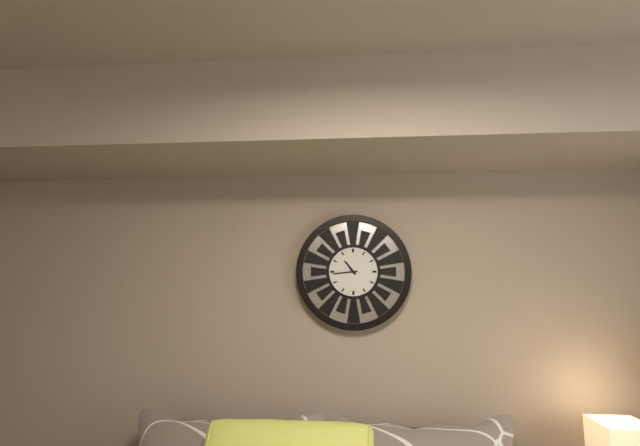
10:44
